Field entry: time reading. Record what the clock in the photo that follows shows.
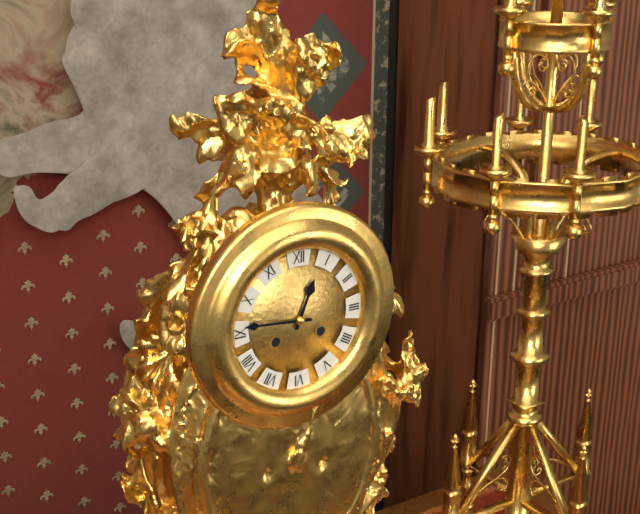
12:46
